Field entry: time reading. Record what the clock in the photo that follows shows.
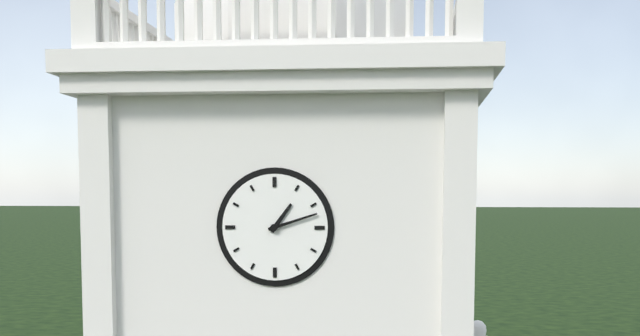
1:12
